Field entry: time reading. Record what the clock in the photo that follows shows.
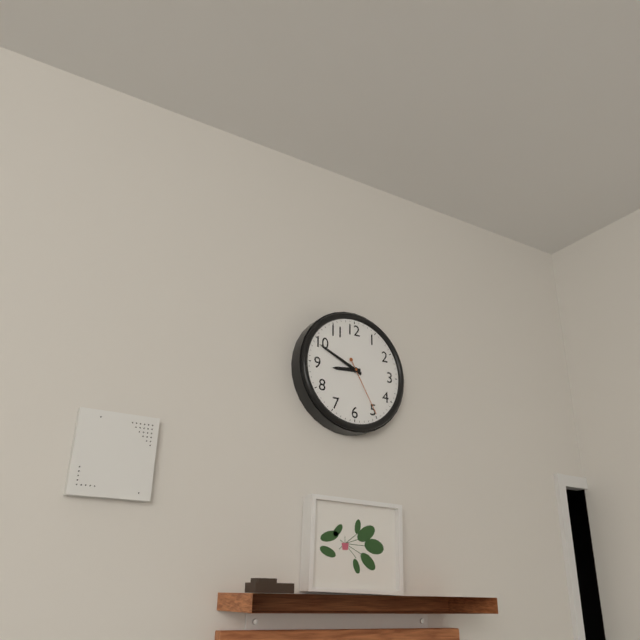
8:49:25
